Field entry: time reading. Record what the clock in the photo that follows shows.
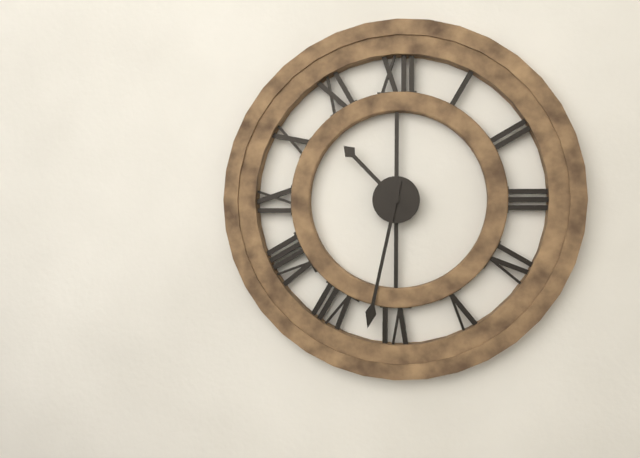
10:32
